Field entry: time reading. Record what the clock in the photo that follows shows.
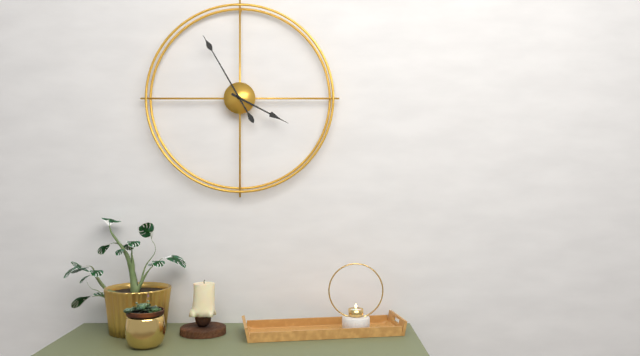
3:55
